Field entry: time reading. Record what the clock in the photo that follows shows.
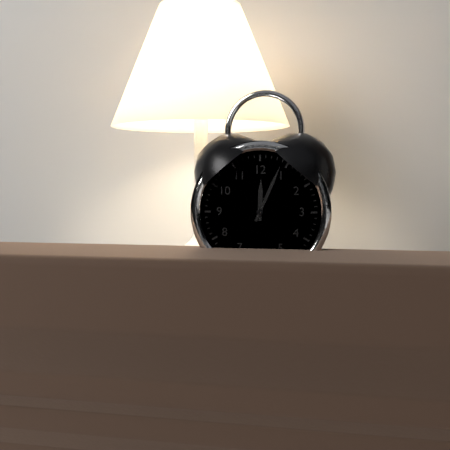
12:04
